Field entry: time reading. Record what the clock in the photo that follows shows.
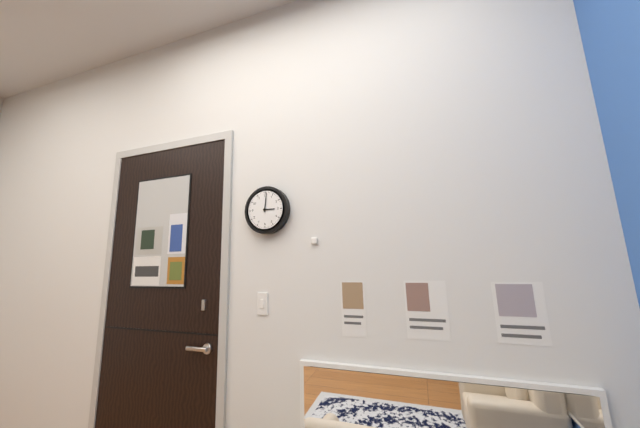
3:01
